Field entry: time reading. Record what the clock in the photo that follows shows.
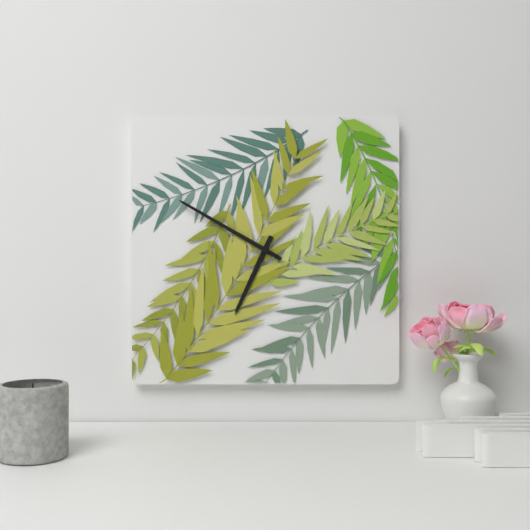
6:50
